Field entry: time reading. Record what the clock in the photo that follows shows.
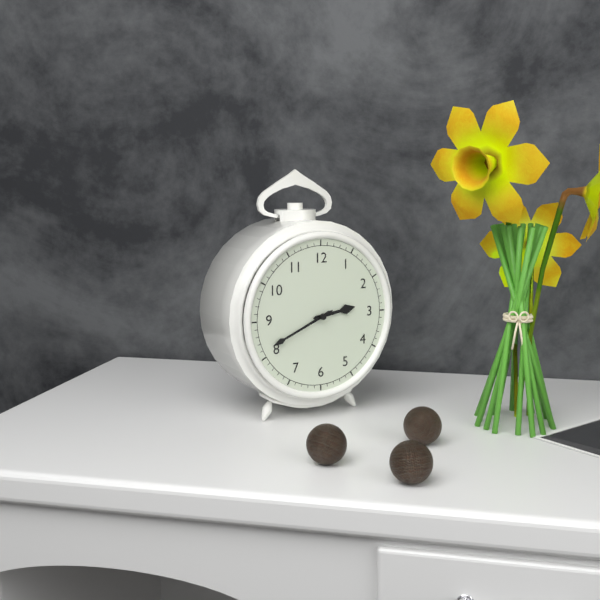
2:41
